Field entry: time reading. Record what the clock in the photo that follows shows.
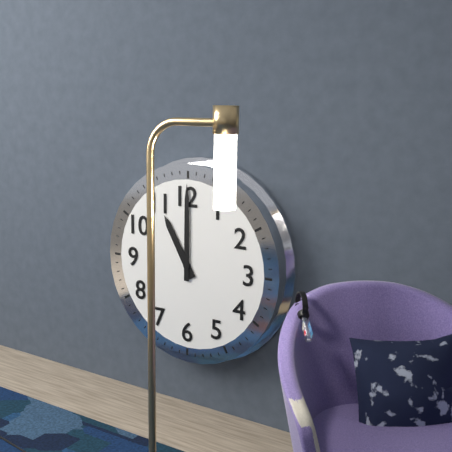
11:00
